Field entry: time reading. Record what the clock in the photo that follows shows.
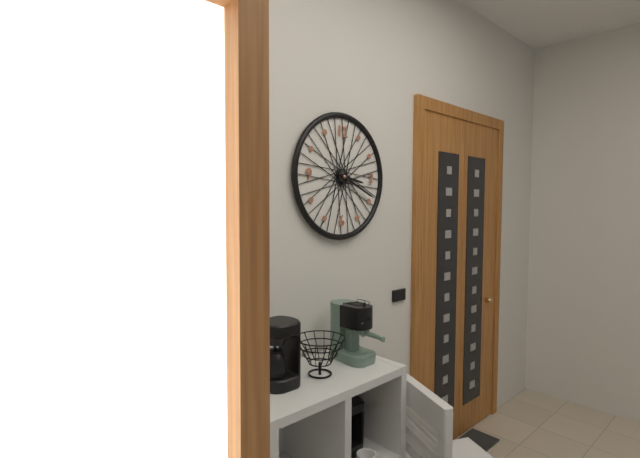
3:19
